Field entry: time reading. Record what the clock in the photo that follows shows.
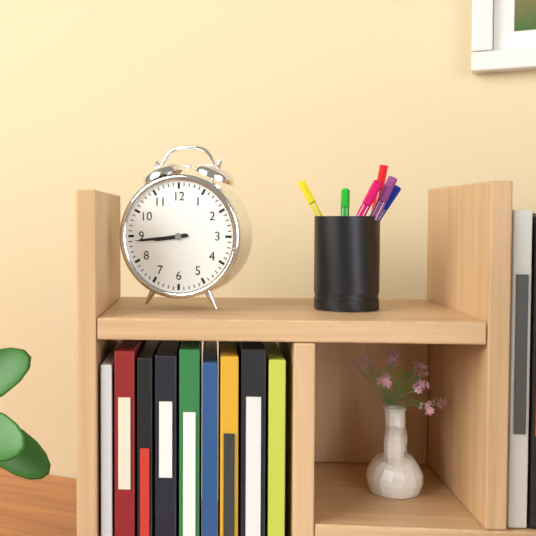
8:44
